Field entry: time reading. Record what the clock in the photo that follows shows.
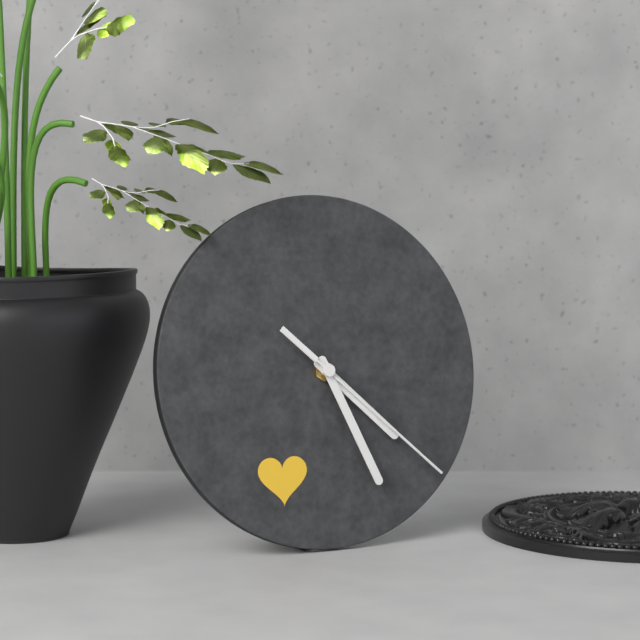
4:26:22
